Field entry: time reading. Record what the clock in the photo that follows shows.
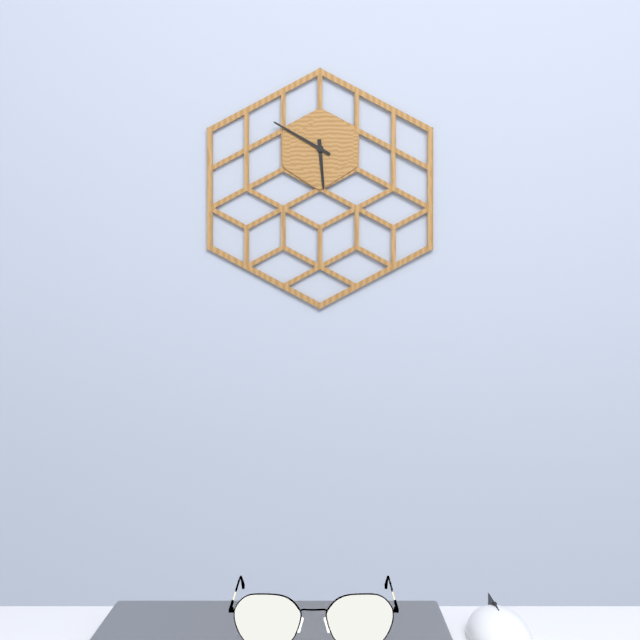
5:50
